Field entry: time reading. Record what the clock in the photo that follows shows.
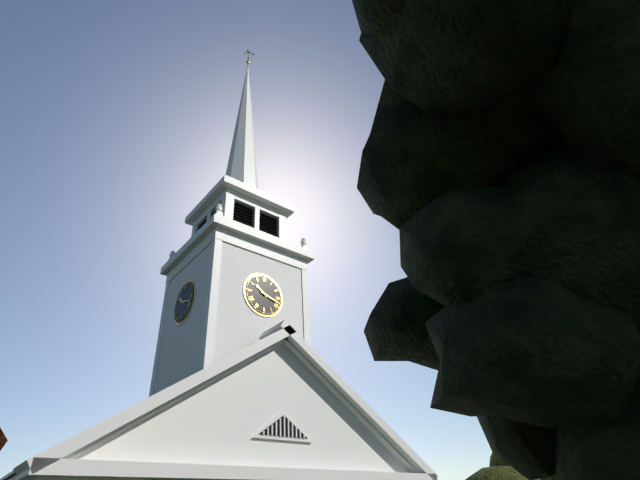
10:18
